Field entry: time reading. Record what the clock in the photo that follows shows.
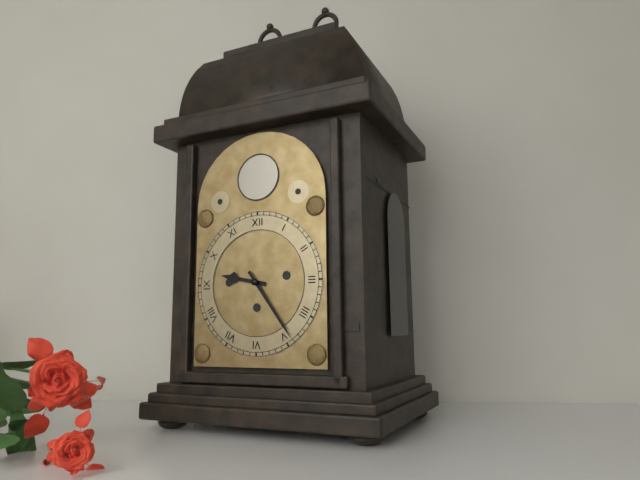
9:24
